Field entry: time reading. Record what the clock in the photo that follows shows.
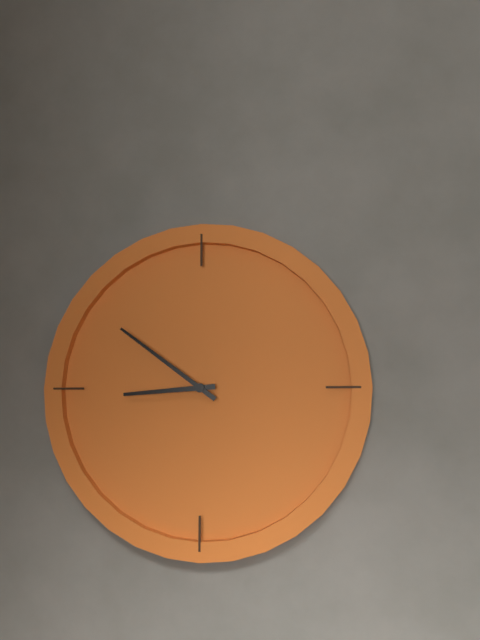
8:51
